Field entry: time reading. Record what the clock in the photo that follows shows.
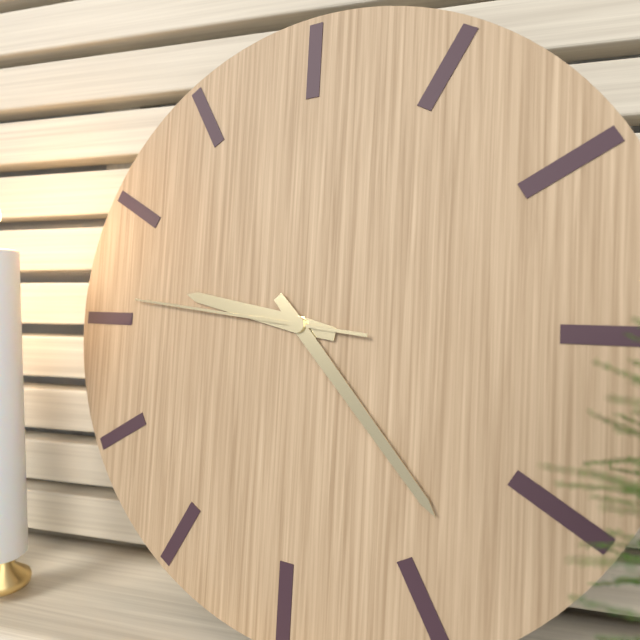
9:23:46
